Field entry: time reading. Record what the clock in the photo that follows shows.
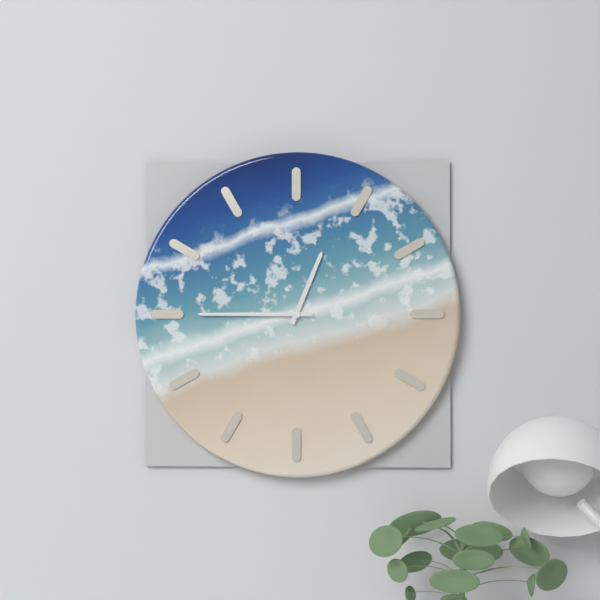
12:45
